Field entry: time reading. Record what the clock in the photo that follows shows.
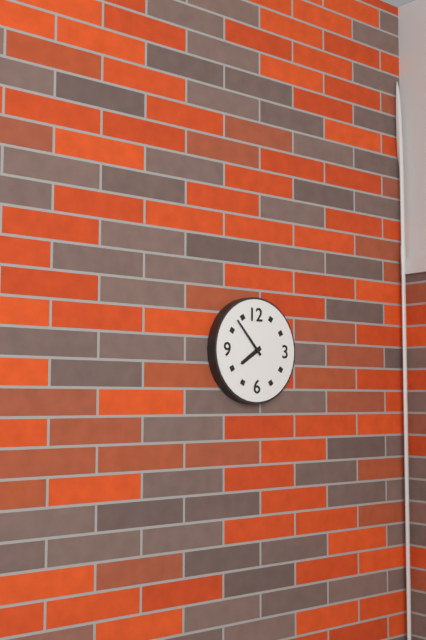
7:53
